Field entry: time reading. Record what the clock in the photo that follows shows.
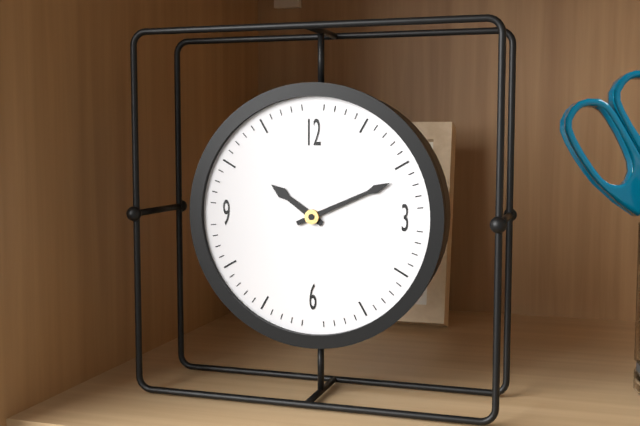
10:11
